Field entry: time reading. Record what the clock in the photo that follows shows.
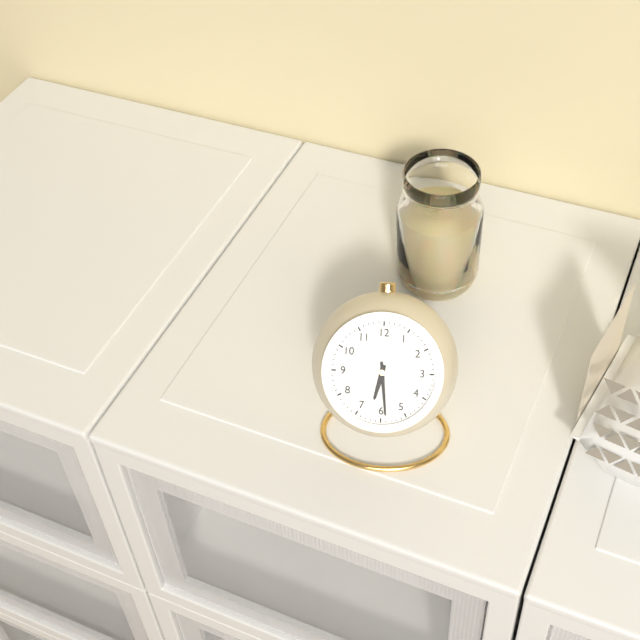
6:29
